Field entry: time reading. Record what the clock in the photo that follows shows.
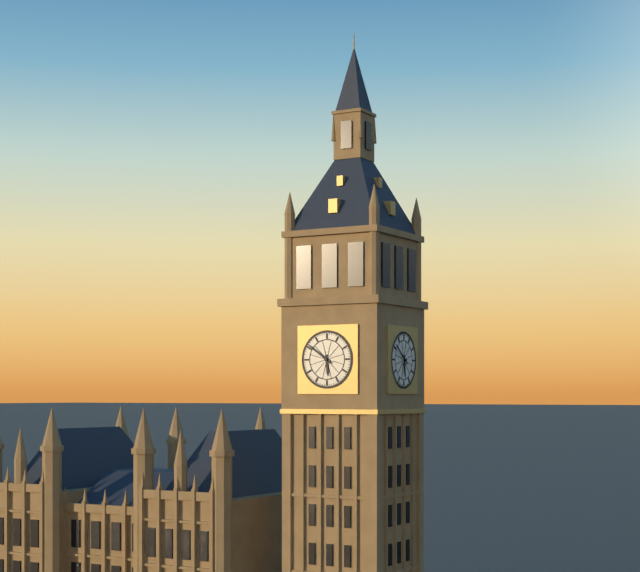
5:51
